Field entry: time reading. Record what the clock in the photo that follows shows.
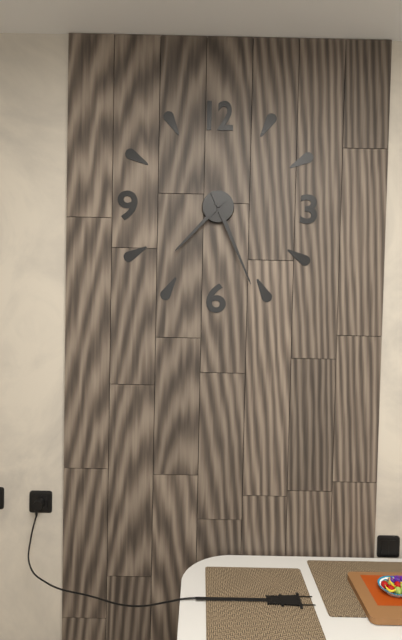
7:26
